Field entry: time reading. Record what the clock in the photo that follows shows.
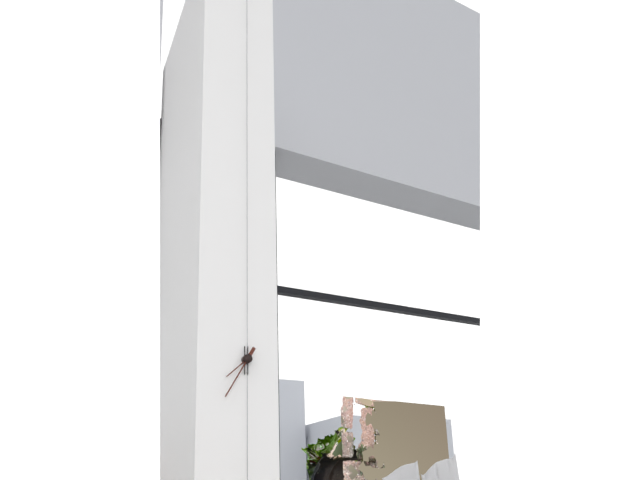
7:35
